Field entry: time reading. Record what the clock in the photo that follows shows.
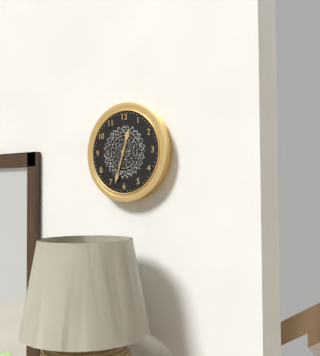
12:33
